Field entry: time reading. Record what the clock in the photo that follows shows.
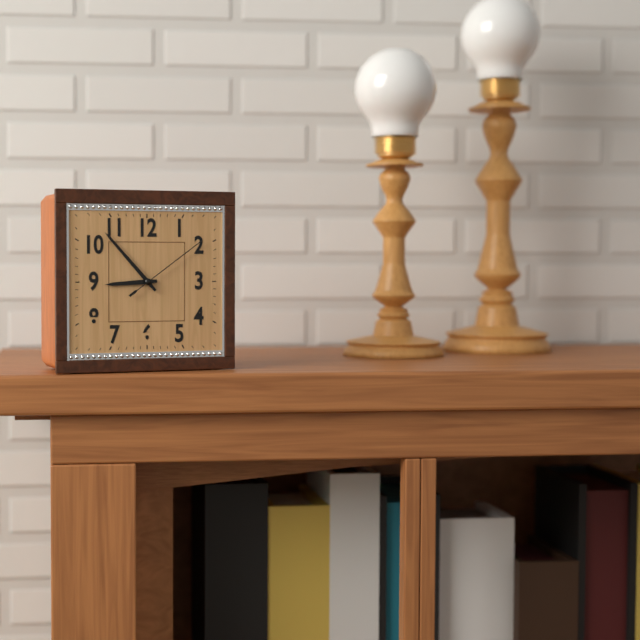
8:53:09
